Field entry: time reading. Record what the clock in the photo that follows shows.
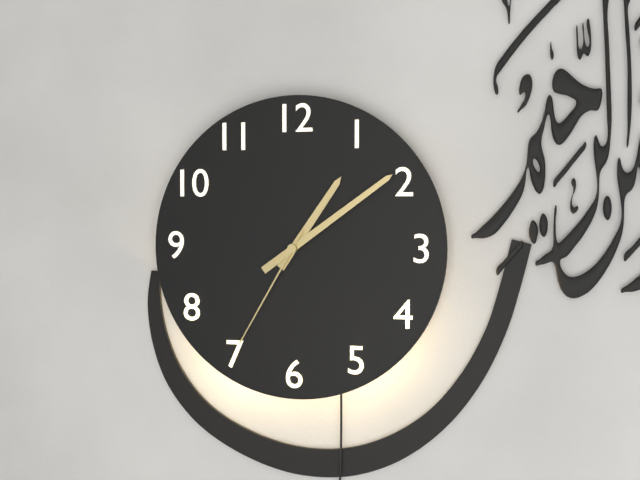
1:09:35
